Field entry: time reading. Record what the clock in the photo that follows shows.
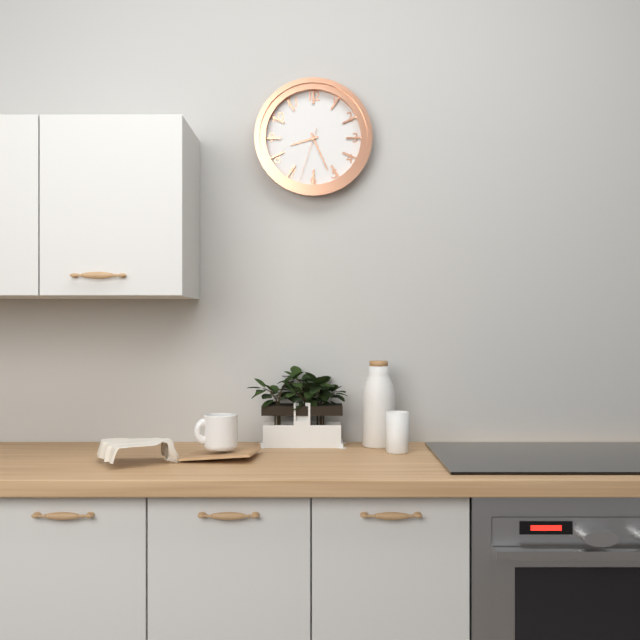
8:26:33
